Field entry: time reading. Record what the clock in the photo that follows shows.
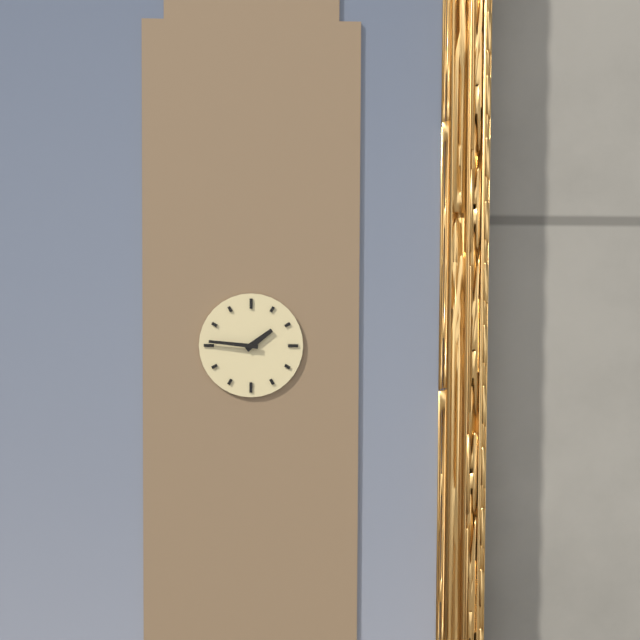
1:46
